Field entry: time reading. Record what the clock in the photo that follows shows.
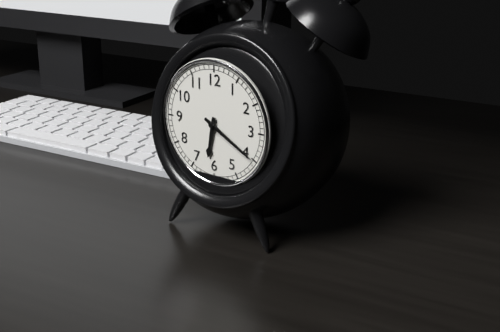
6:20
